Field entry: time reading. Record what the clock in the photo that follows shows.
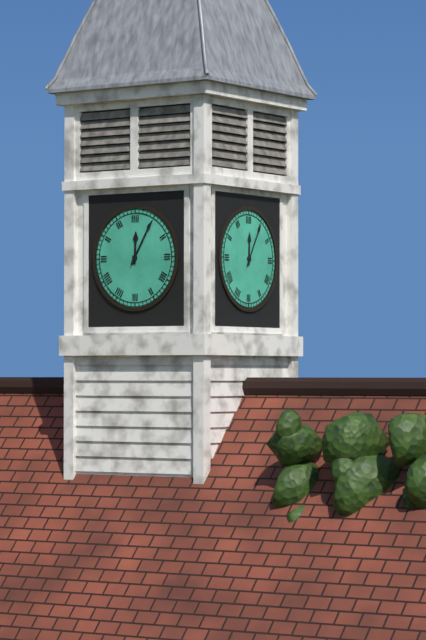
12:05
